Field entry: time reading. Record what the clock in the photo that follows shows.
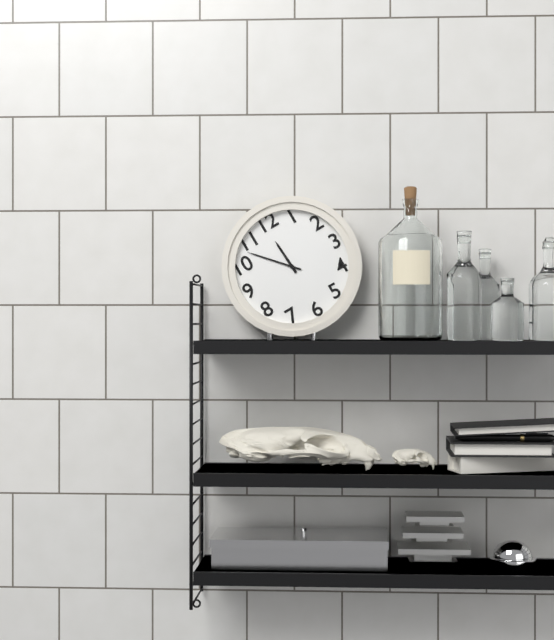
11:53
